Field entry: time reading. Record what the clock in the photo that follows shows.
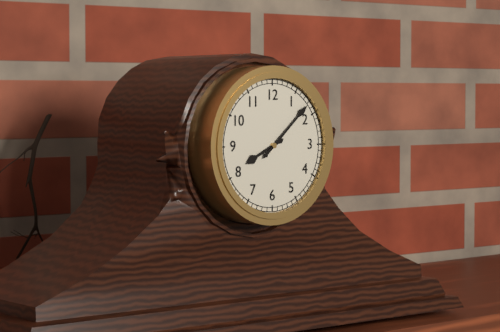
8:08
